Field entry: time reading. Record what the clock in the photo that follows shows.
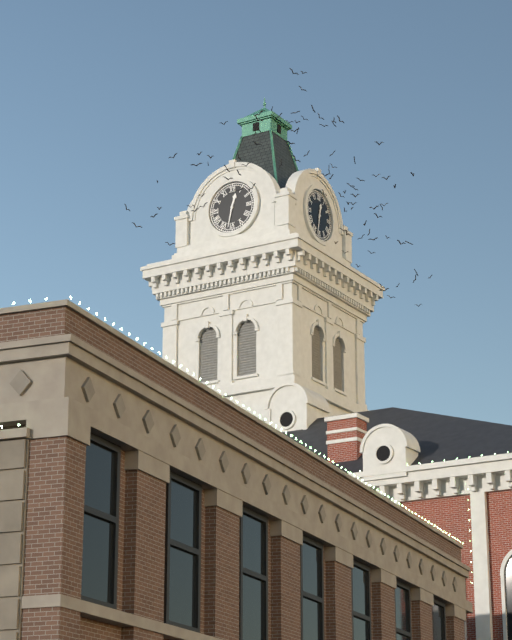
12:32
